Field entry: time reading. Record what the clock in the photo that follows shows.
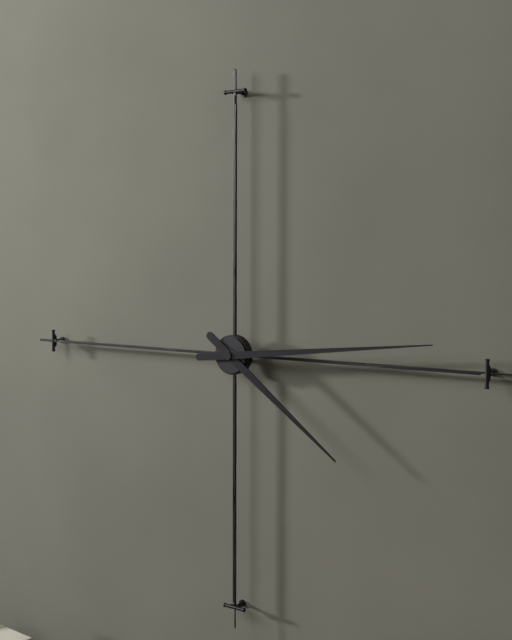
4:14
